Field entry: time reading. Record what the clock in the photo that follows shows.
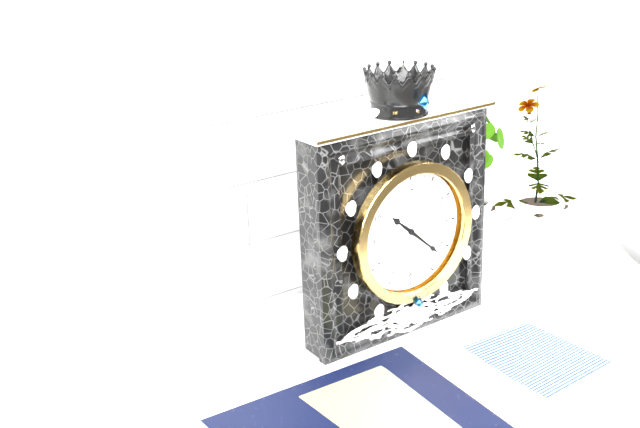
10:22
